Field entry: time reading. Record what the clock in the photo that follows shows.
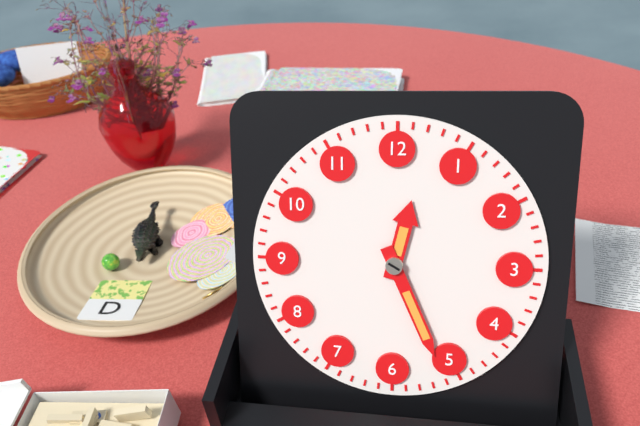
12:26
